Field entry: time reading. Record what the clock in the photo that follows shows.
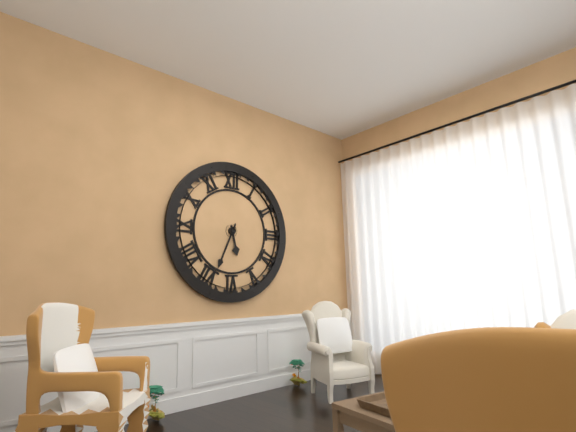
5:34
